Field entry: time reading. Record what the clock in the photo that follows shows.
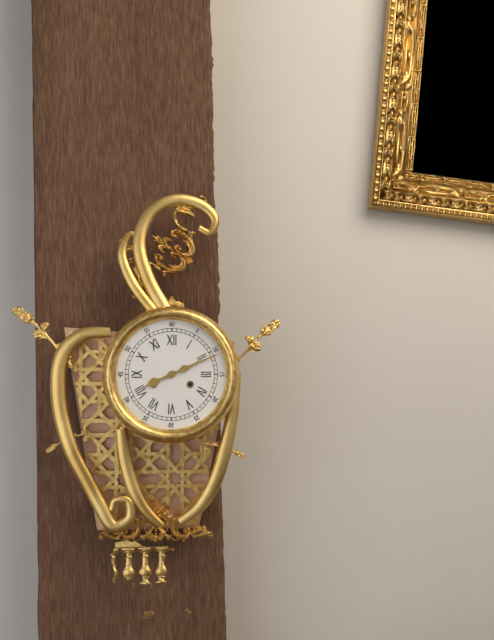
8:11
